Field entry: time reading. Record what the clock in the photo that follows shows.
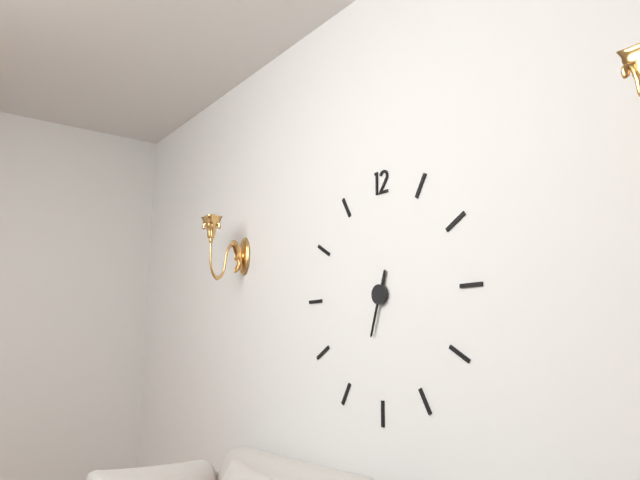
12:33
